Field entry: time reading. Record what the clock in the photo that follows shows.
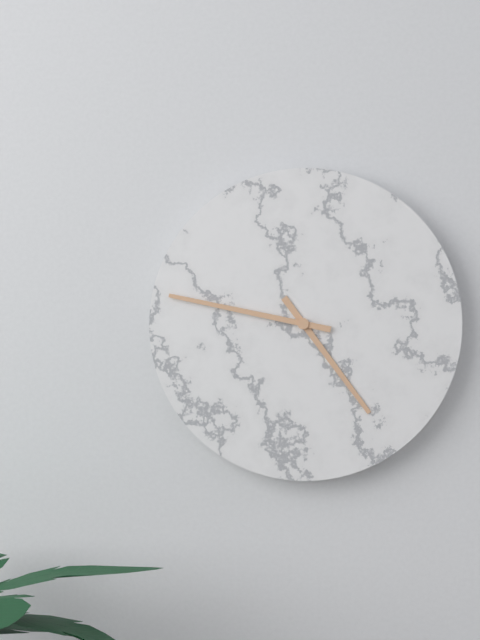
4:47
